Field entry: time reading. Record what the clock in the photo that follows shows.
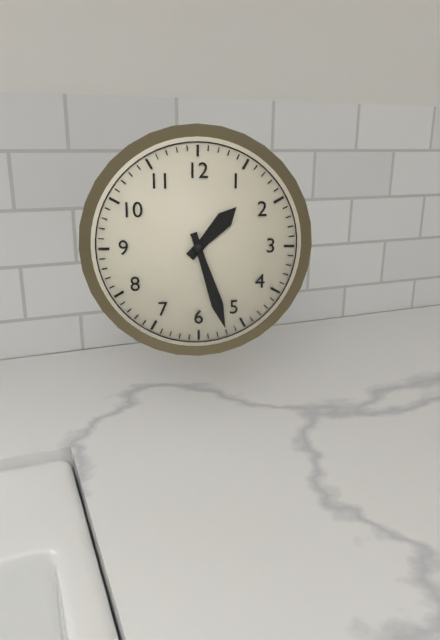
1:27
